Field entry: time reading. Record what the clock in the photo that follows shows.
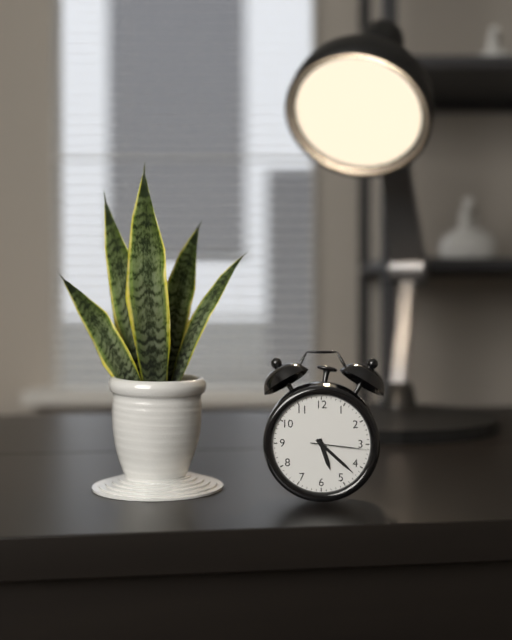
5:22:16
